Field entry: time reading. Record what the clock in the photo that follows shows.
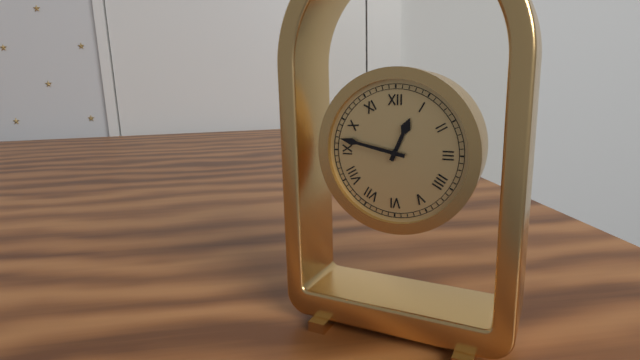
12:47
